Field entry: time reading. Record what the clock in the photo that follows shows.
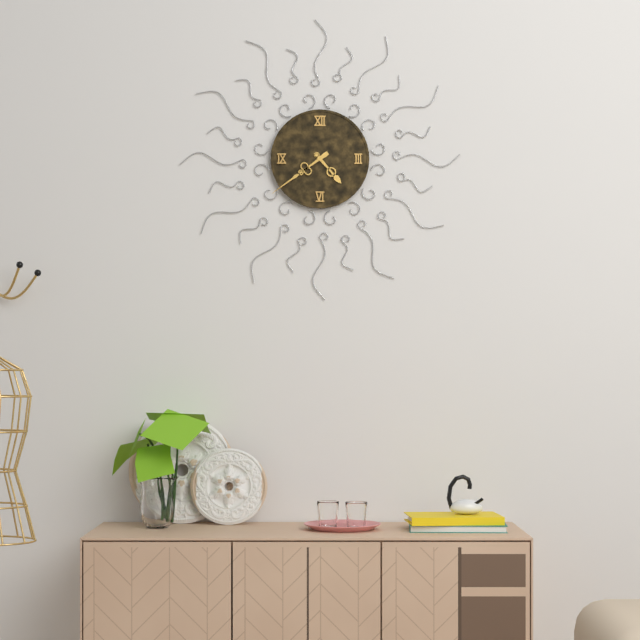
4:39
